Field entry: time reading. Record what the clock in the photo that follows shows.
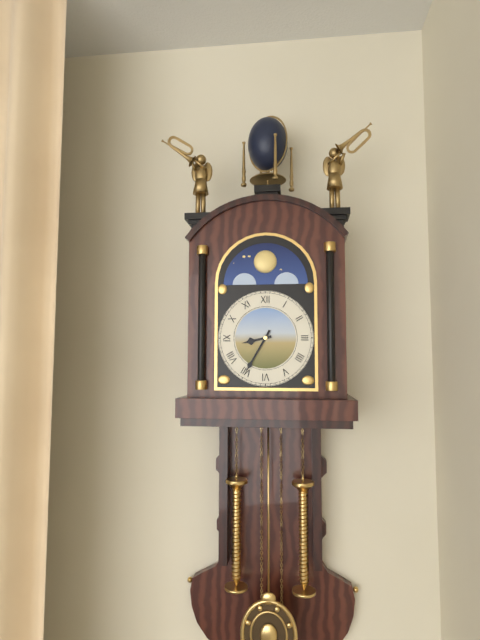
8:35
